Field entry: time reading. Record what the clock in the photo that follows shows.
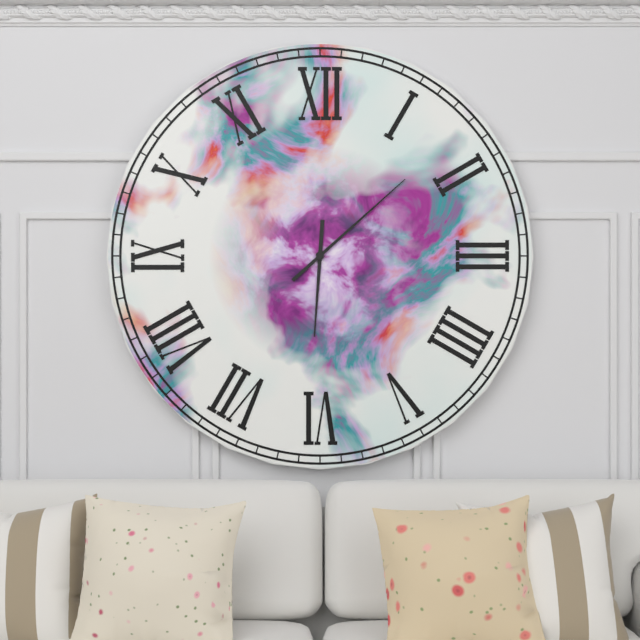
6:08
